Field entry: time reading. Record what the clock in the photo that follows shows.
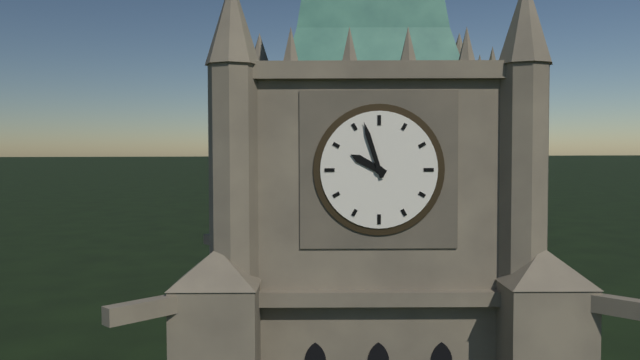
9:57
